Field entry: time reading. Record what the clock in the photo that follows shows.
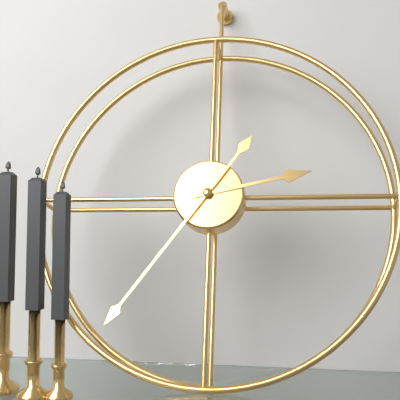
2:36
